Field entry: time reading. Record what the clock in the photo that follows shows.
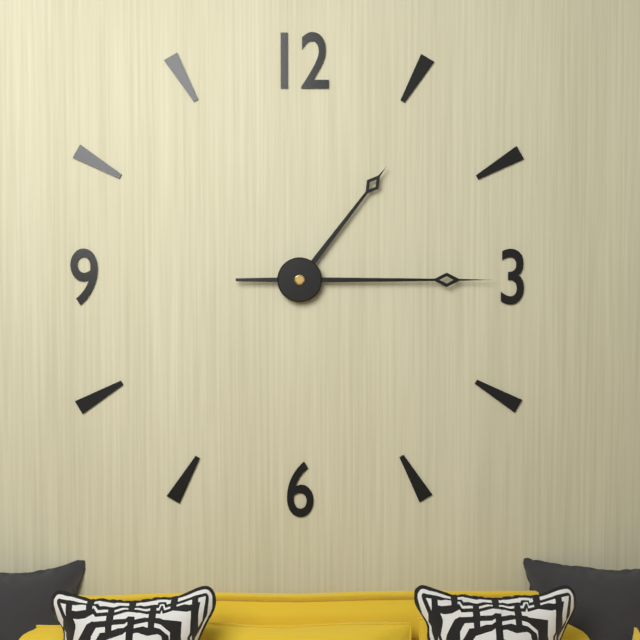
1:15
